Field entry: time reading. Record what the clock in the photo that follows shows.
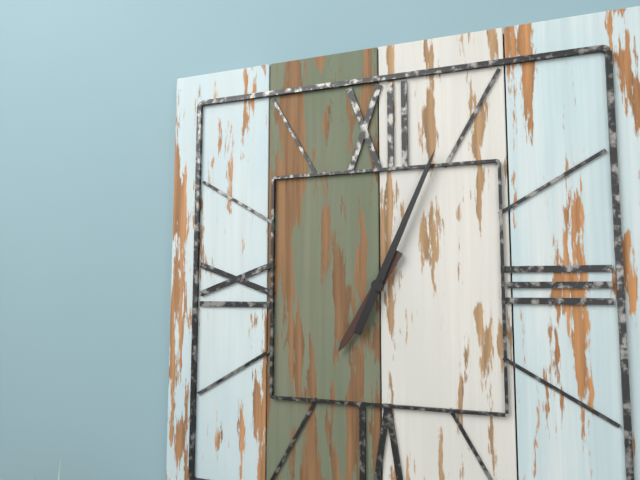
7:04
